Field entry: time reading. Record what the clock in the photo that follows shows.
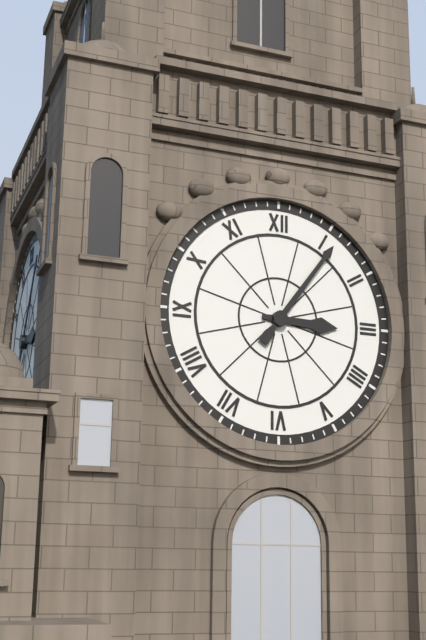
3:06
